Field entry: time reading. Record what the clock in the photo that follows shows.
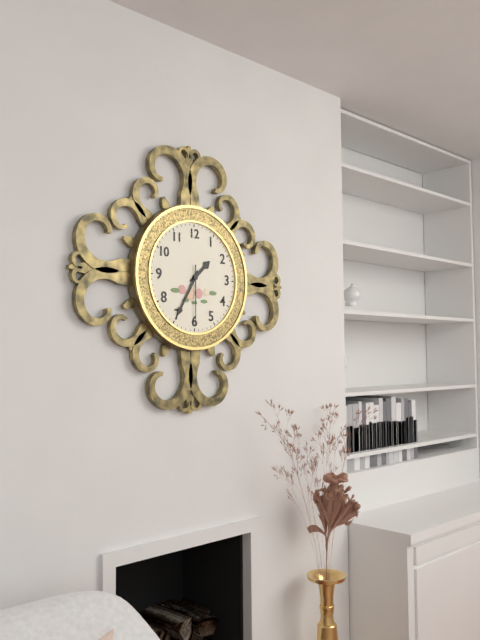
1:35:30
